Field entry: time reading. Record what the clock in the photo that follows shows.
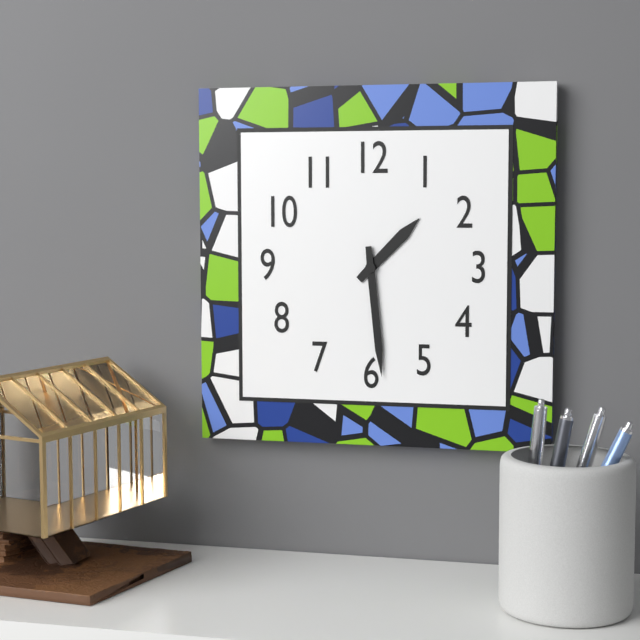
1:29
